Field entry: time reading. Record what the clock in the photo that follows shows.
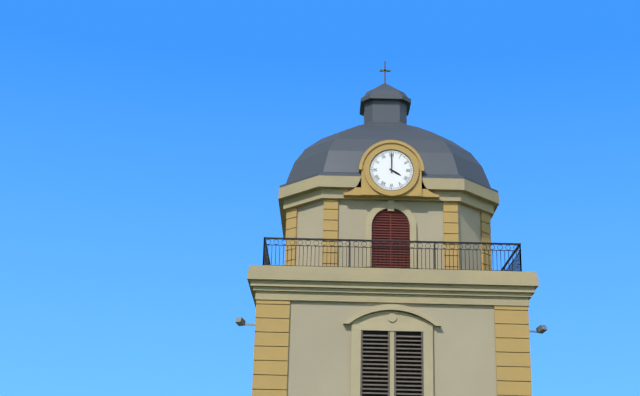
4:00
